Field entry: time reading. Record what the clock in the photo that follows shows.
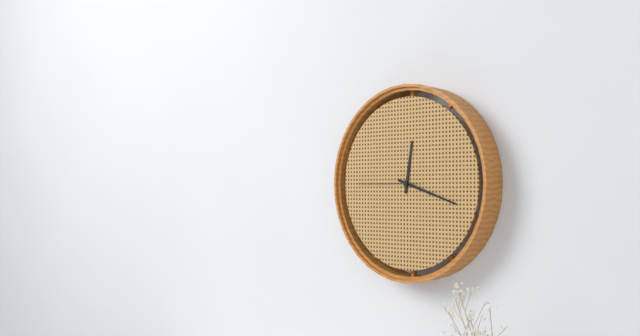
12:18:45
